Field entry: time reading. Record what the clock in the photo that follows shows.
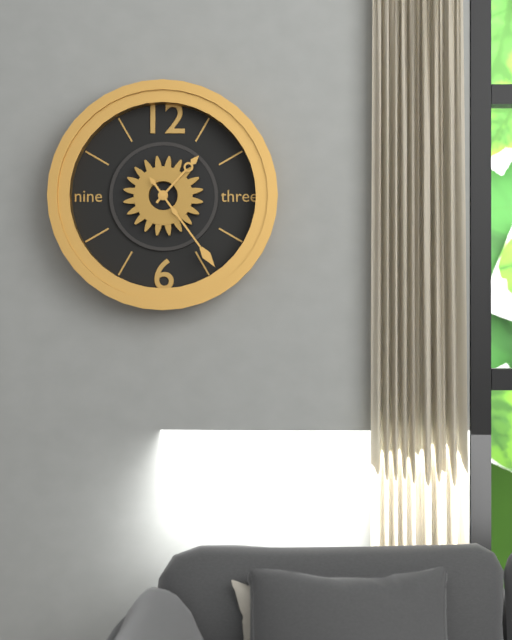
1:24
